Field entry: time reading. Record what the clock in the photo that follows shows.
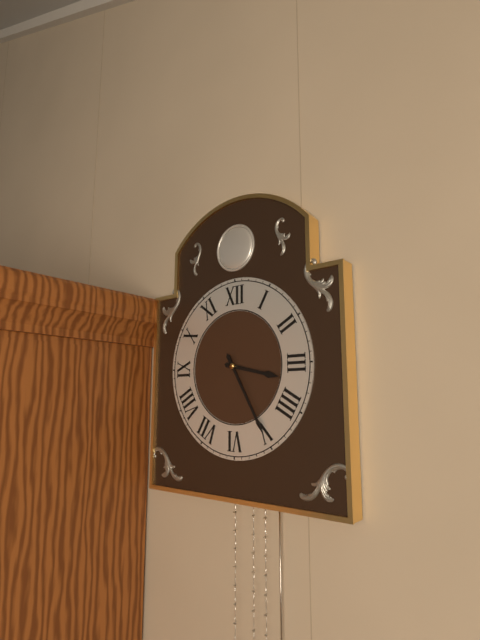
3:25
